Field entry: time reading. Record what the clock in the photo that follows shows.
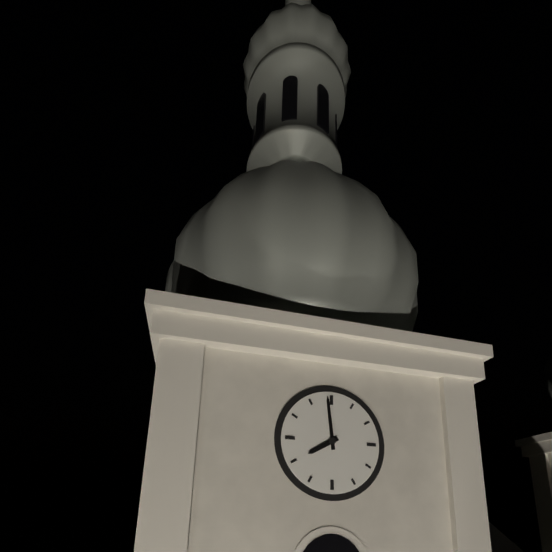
7:59
